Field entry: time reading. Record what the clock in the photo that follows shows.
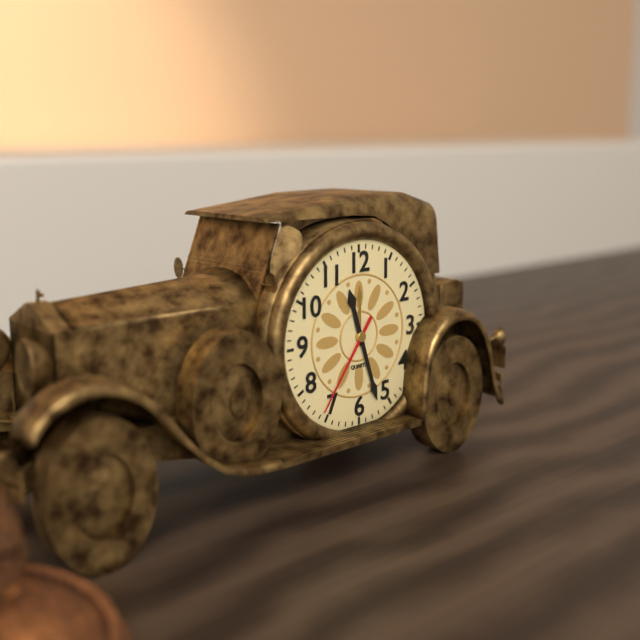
11:27:36
